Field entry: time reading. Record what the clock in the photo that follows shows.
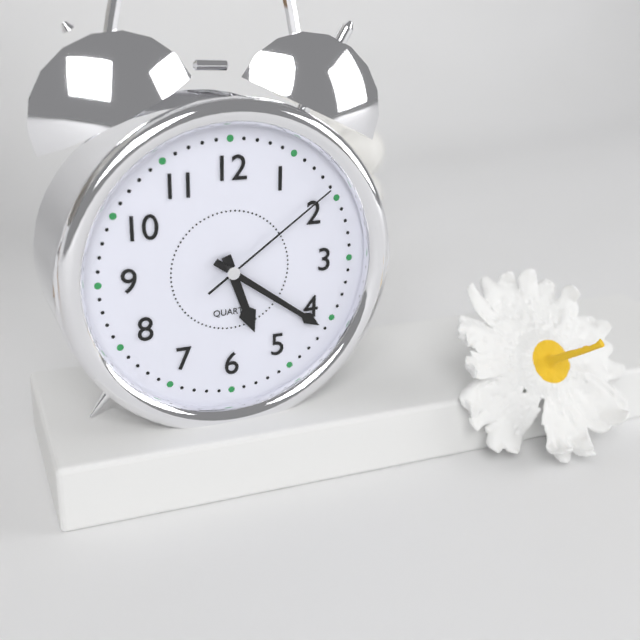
5:21:09
